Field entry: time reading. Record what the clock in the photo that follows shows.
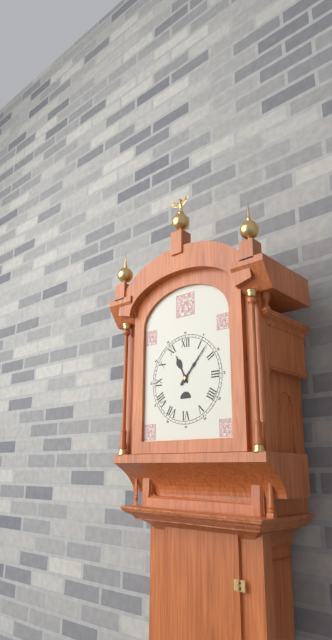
11:07
